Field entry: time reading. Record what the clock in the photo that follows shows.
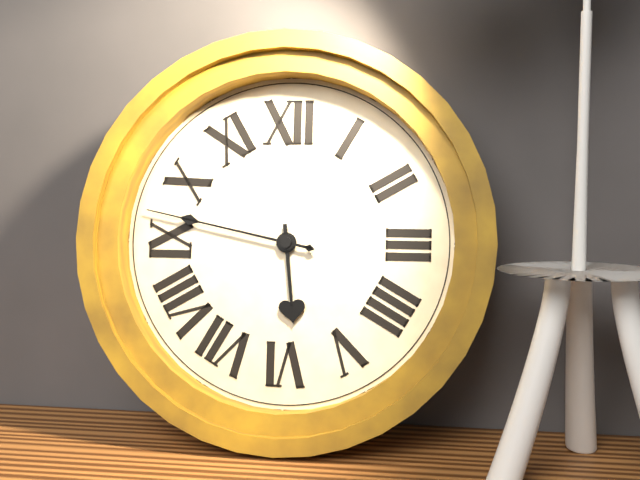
5:47
